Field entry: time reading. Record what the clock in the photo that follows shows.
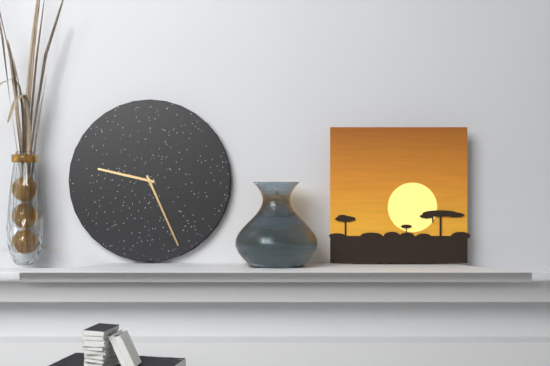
9:26
